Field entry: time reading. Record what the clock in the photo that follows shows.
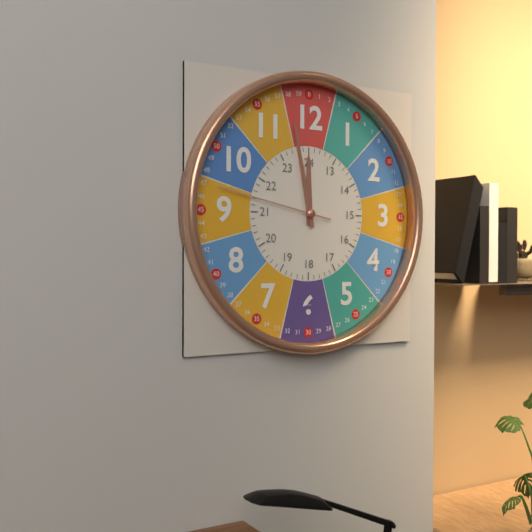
11:58:47
